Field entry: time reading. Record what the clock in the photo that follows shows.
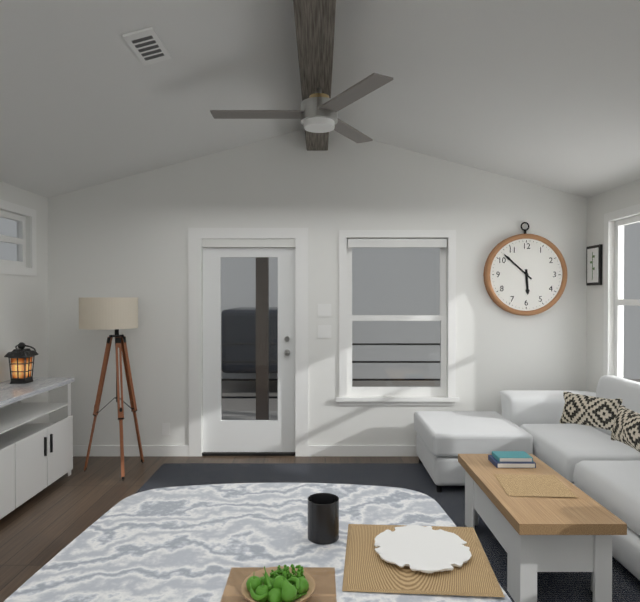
5:52
